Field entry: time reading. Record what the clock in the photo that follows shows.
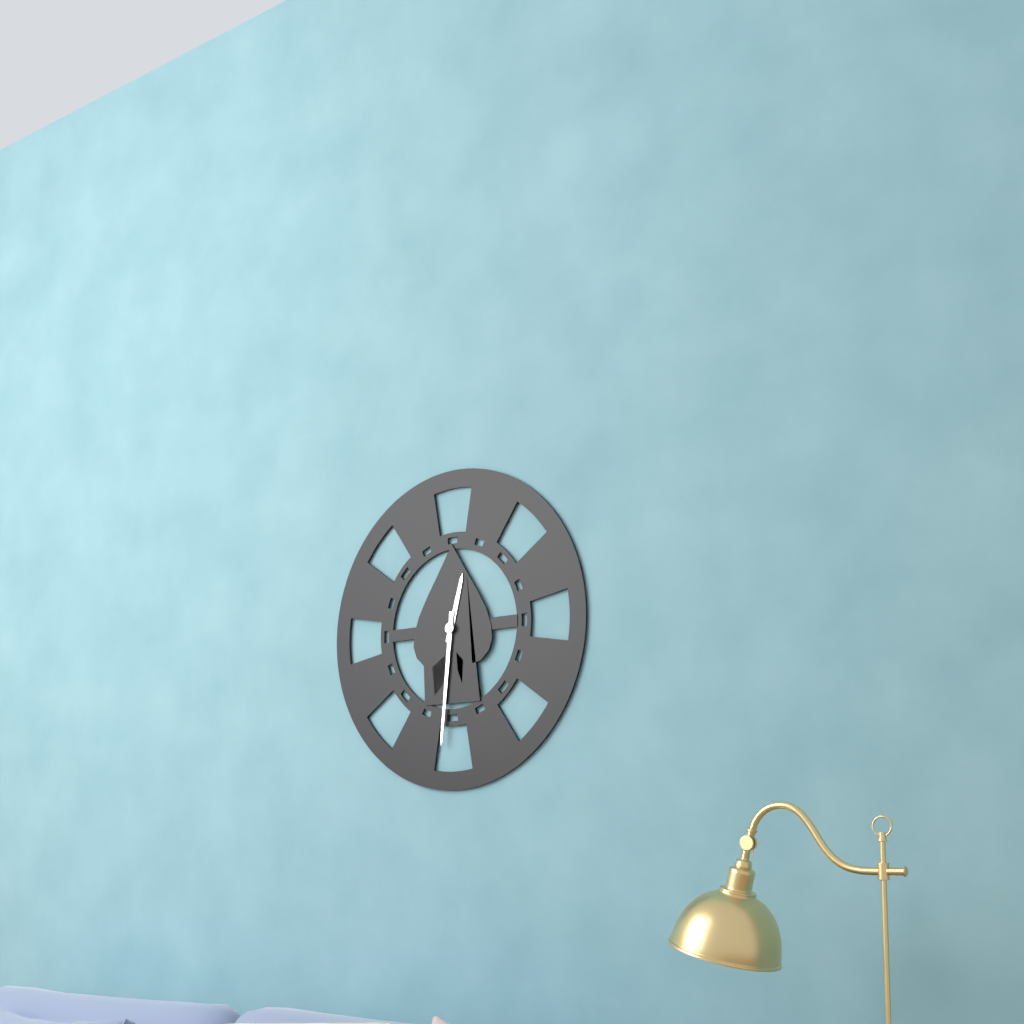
12:31
